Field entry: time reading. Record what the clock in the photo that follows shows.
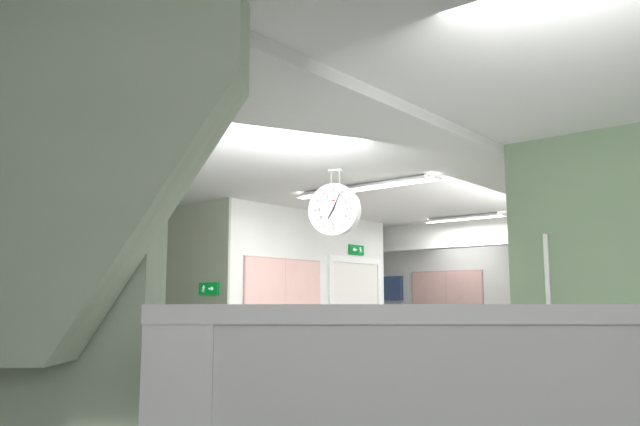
7:04
